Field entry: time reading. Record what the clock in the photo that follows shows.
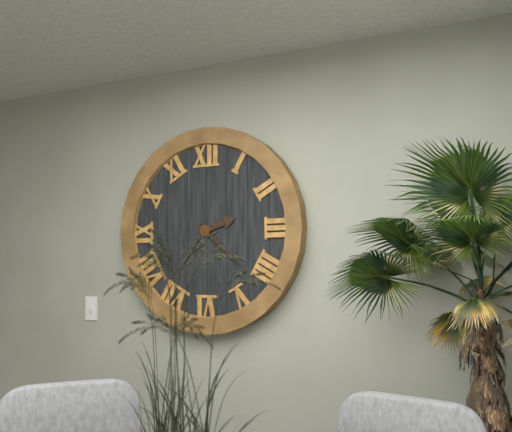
2:22
